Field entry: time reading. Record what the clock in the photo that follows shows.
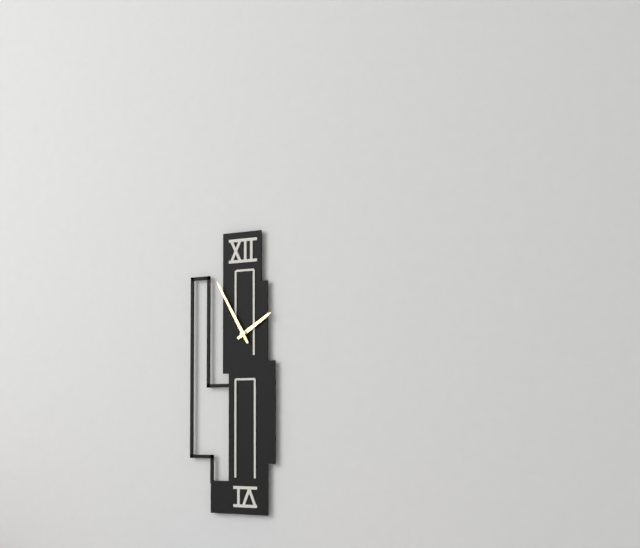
1:55
